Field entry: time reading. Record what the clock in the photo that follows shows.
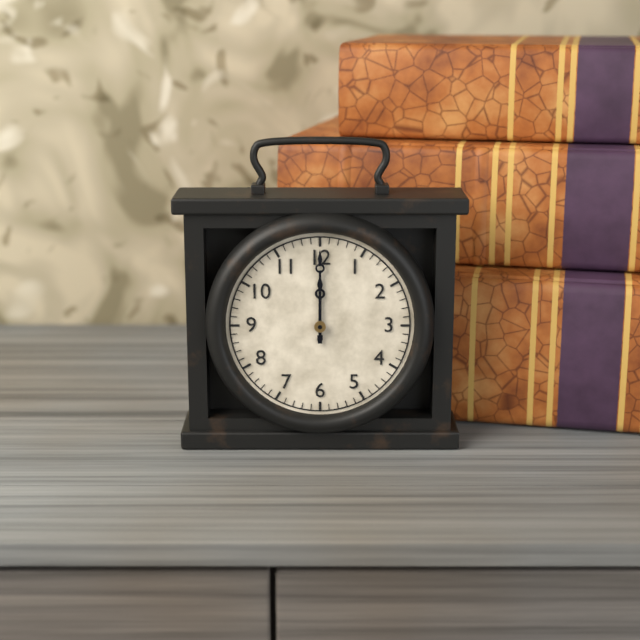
12:00
